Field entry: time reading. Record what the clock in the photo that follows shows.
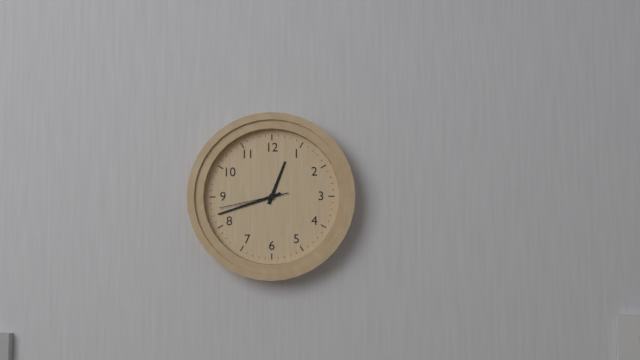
12:42:43
